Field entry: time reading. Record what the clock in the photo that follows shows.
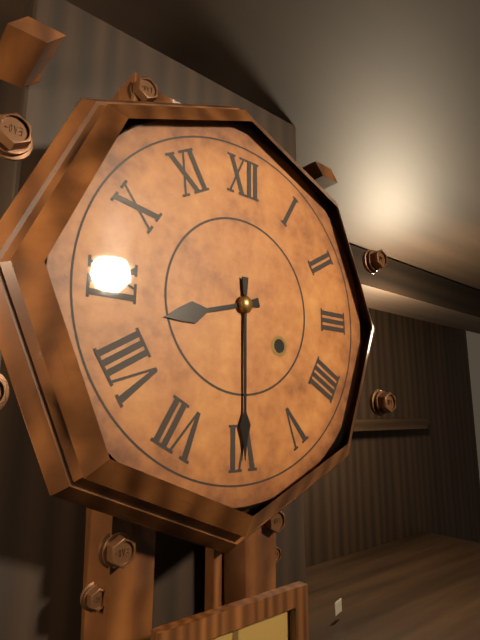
8:30
